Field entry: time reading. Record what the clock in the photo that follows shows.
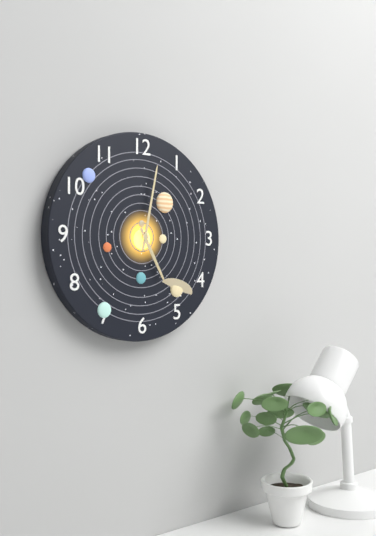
5:02
